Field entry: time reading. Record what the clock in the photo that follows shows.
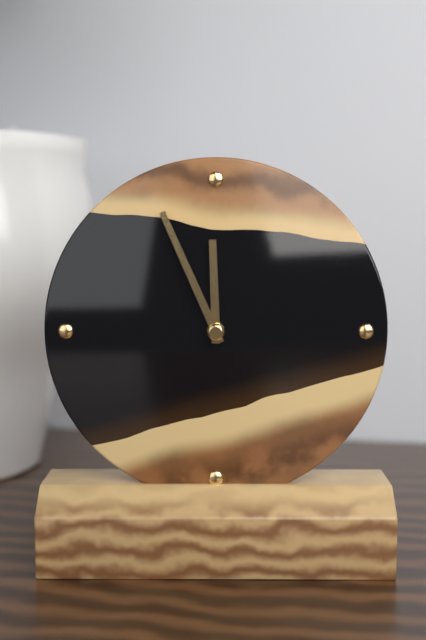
11:56
